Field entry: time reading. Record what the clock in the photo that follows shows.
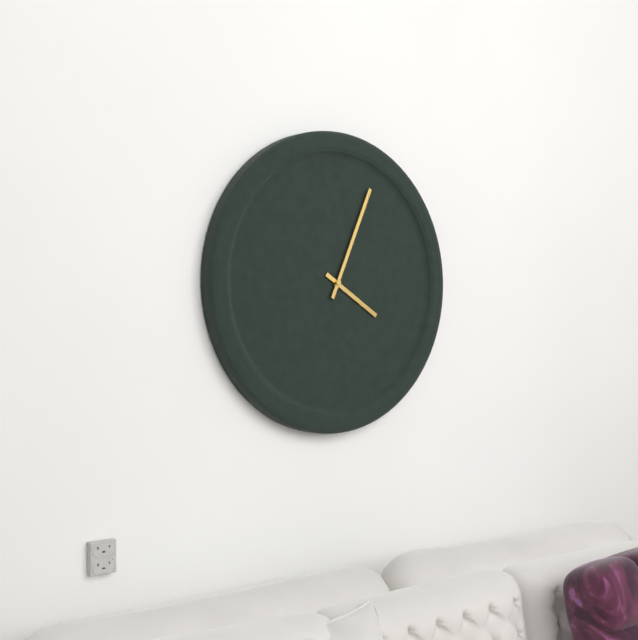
4:04
